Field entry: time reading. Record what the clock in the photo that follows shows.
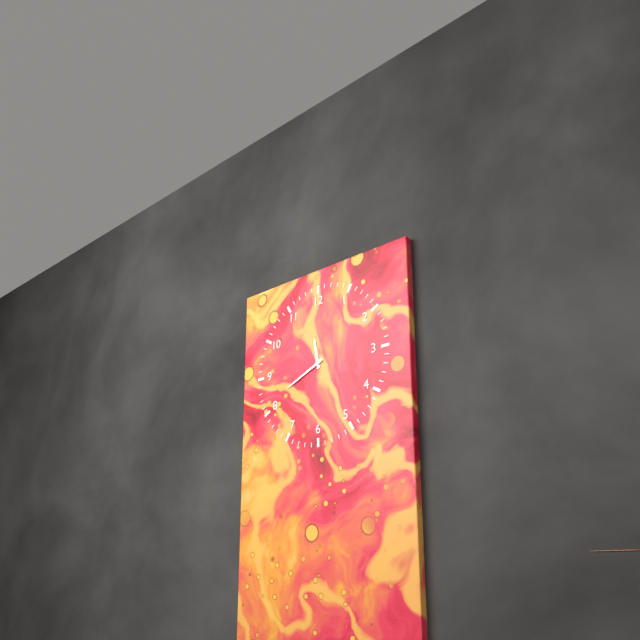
11:41
